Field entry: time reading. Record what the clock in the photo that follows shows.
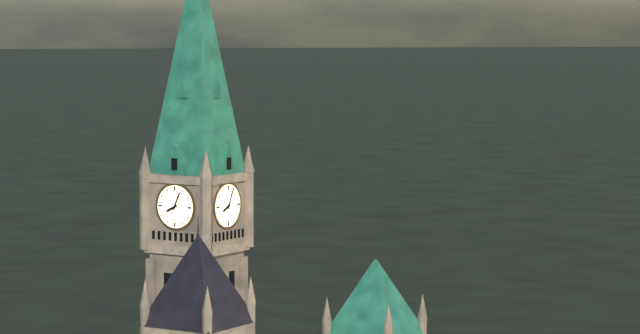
8:04
